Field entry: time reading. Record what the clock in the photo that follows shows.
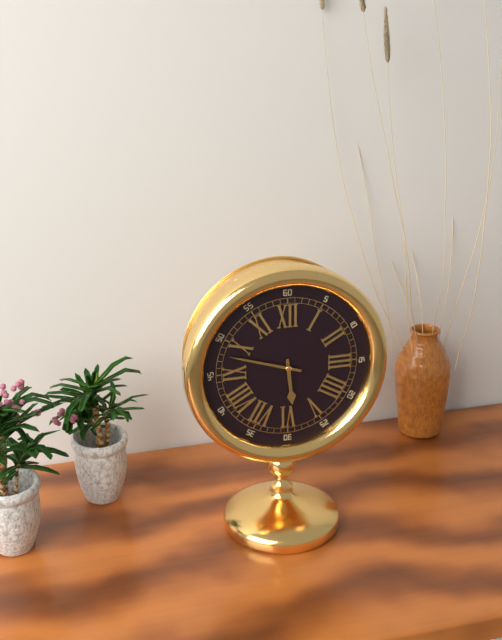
5:48
